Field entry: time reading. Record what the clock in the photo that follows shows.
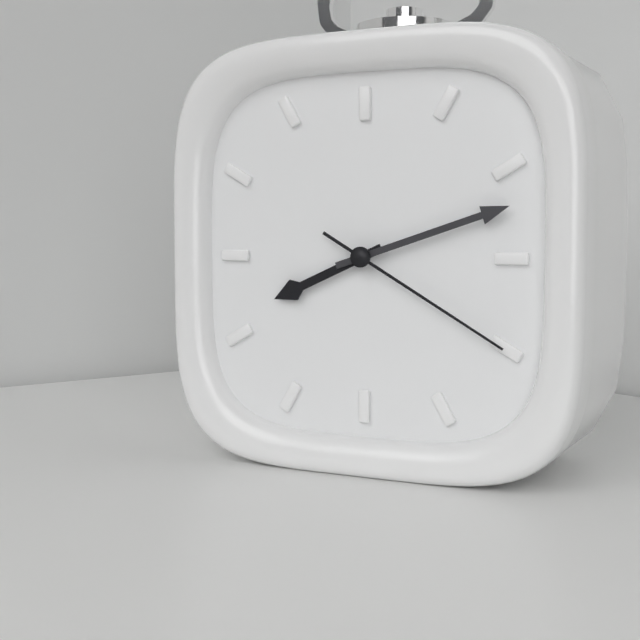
8:12:20
